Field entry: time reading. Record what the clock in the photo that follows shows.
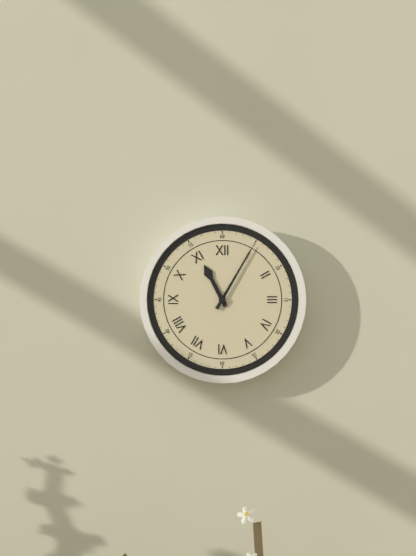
11:05
